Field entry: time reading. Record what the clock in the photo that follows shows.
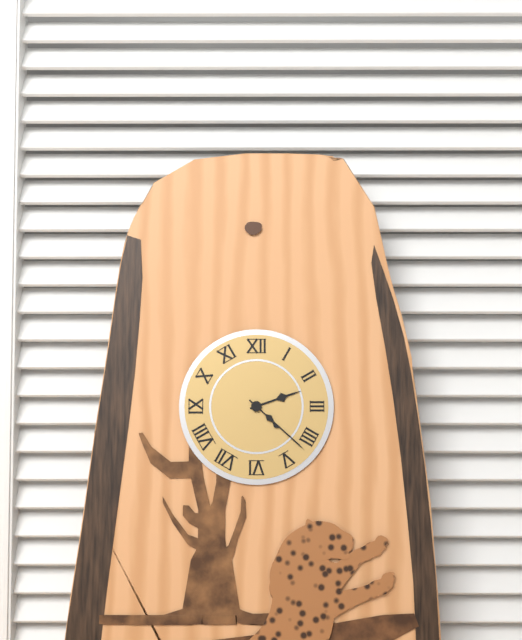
2:22
